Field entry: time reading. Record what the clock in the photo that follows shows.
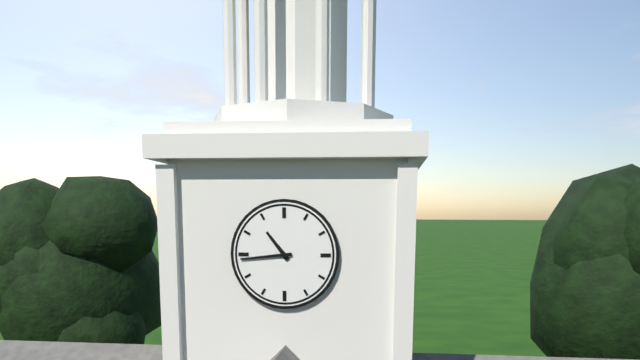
10:44
